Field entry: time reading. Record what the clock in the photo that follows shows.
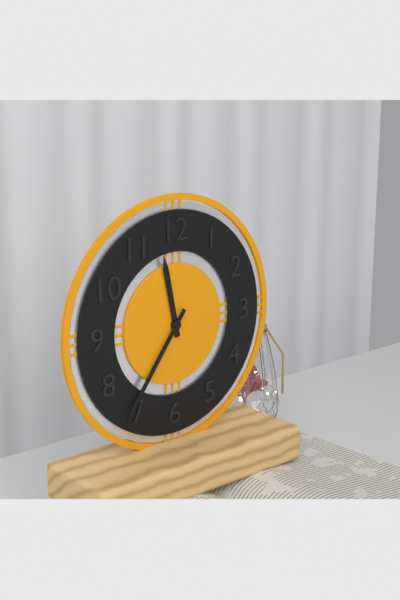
11:36
